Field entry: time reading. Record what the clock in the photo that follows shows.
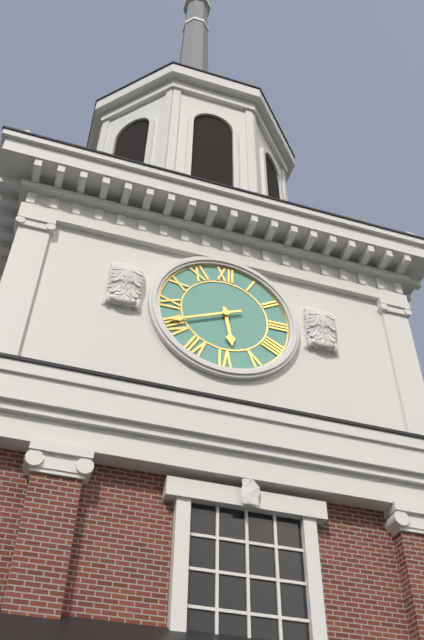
5:41
